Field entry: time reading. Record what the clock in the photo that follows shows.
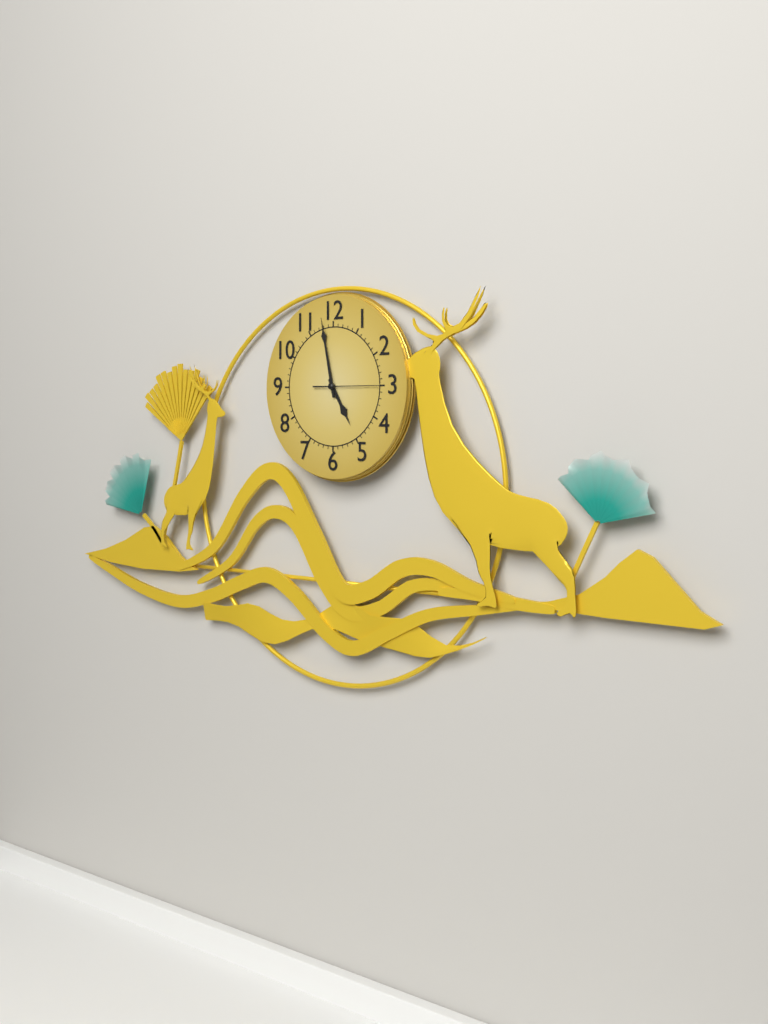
4:58
